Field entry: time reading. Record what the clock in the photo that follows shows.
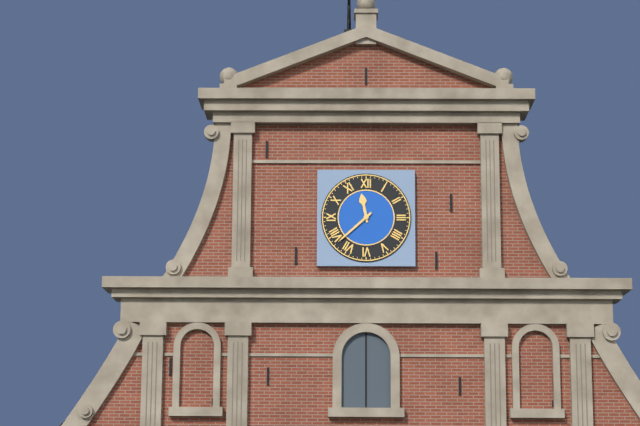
11:38
